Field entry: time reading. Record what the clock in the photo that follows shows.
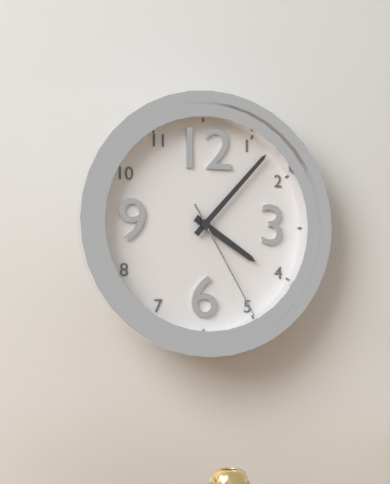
4:07:25
